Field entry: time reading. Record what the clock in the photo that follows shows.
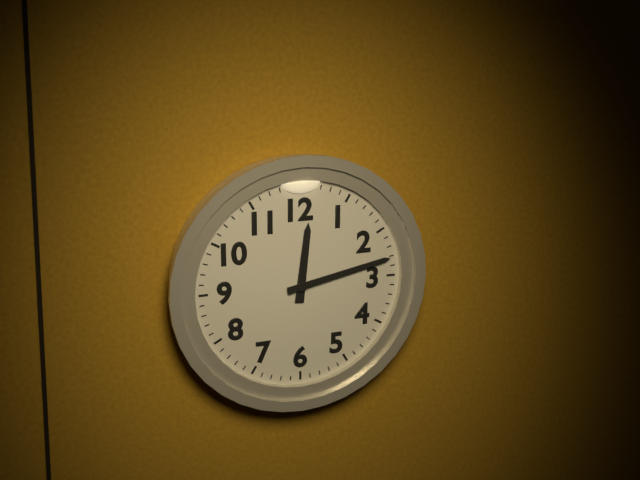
12:13
